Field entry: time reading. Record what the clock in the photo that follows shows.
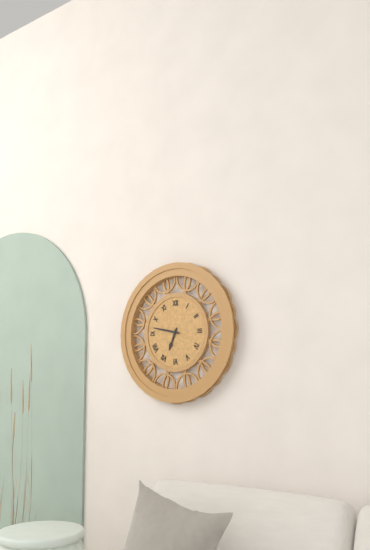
6:47
